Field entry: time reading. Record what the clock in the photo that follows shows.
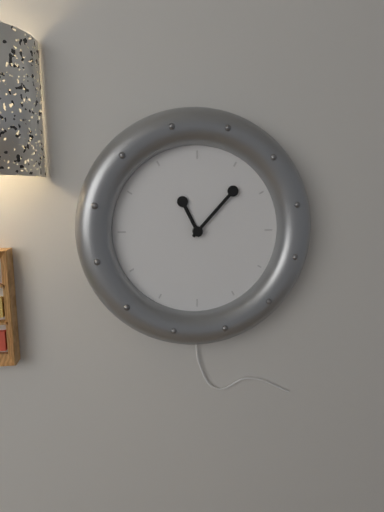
11:07
